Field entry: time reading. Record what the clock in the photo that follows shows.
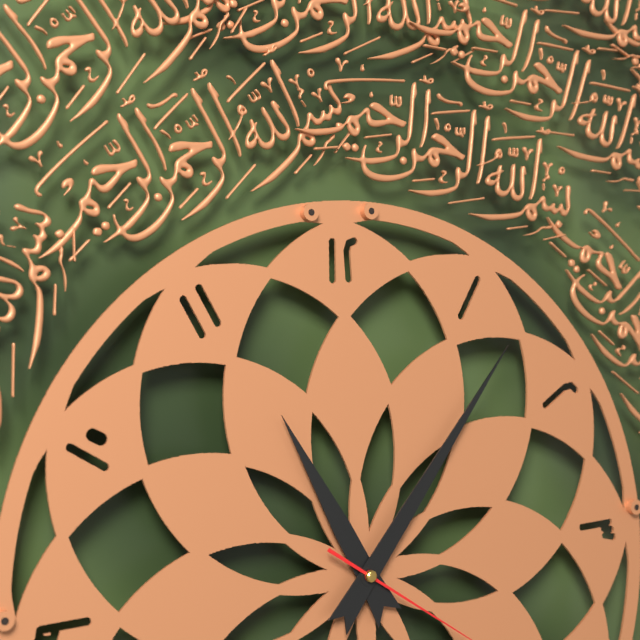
11:07
